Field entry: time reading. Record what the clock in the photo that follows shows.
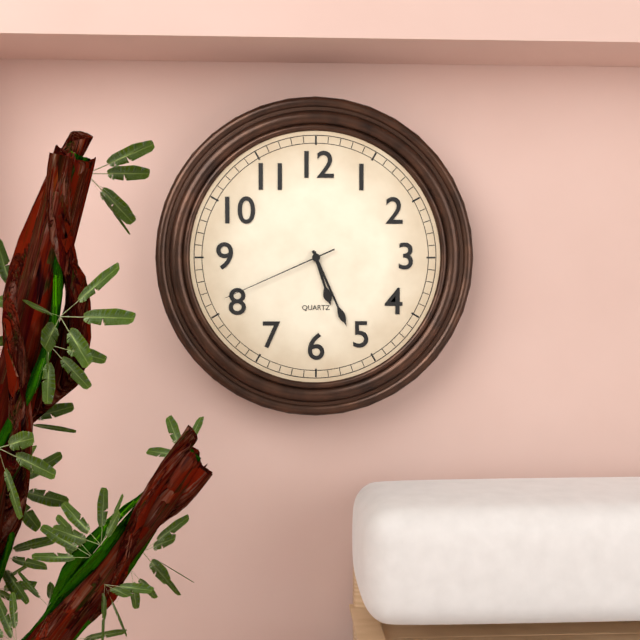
5:26:41
